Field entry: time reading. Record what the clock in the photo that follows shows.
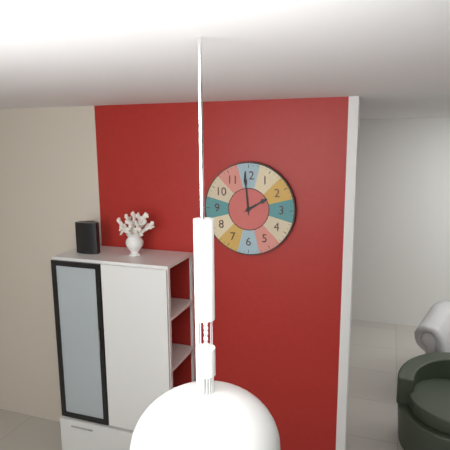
1:59
